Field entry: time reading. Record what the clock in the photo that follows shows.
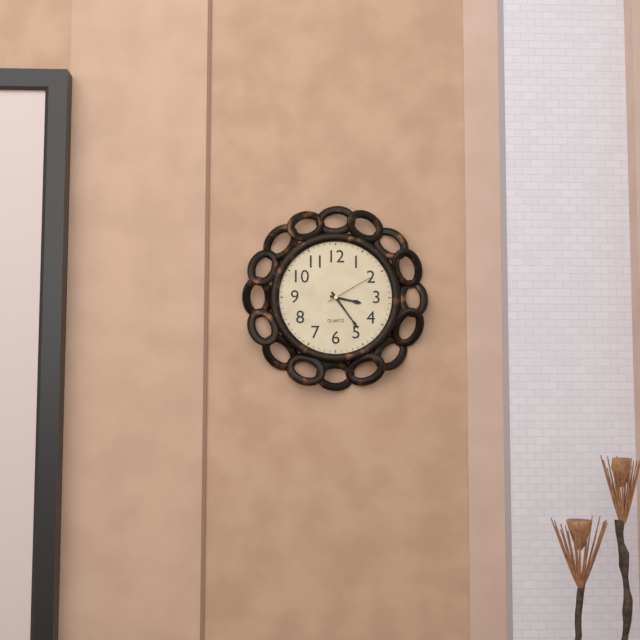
3:24:10
